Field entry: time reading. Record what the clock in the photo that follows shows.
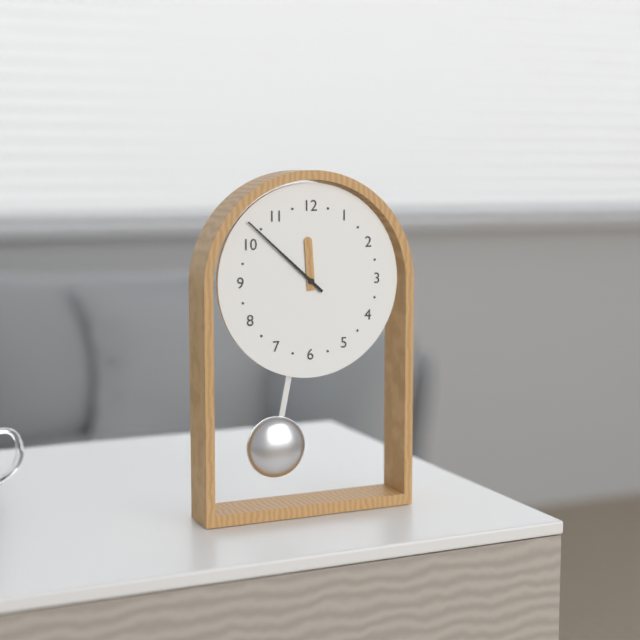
11:52
